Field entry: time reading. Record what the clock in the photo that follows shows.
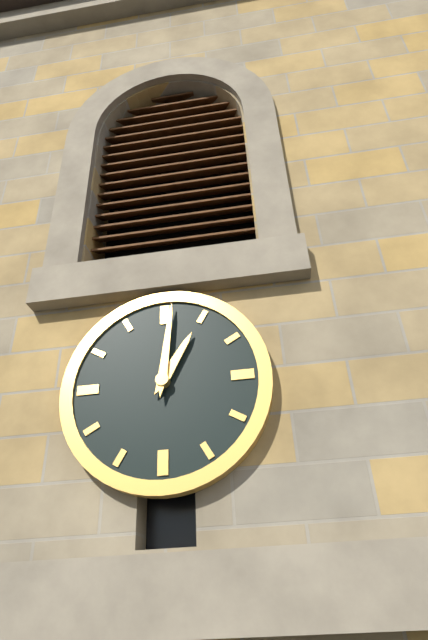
1:01
